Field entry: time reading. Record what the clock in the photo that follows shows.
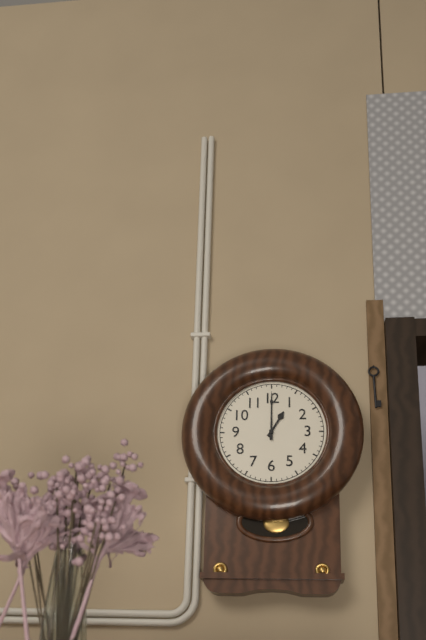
1:00
